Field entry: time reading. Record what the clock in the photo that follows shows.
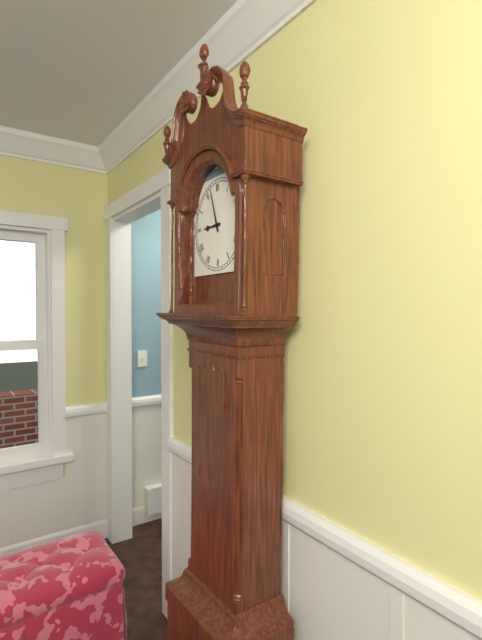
8:57
